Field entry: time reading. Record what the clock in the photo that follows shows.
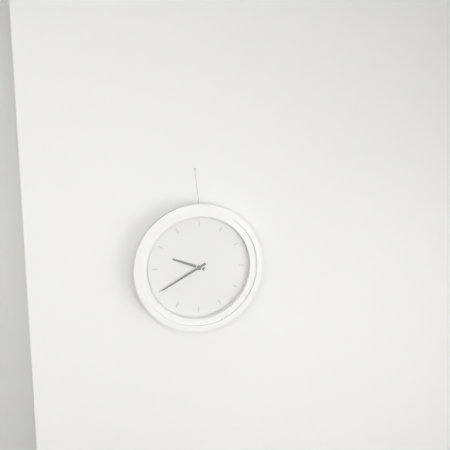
9:40
